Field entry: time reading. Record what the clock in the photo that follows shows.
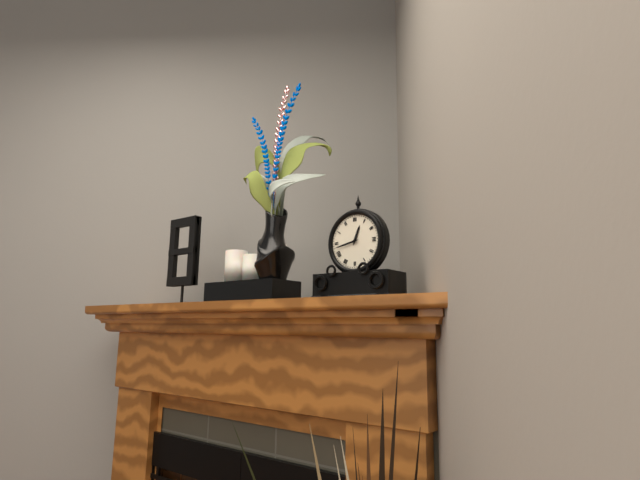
12:43
